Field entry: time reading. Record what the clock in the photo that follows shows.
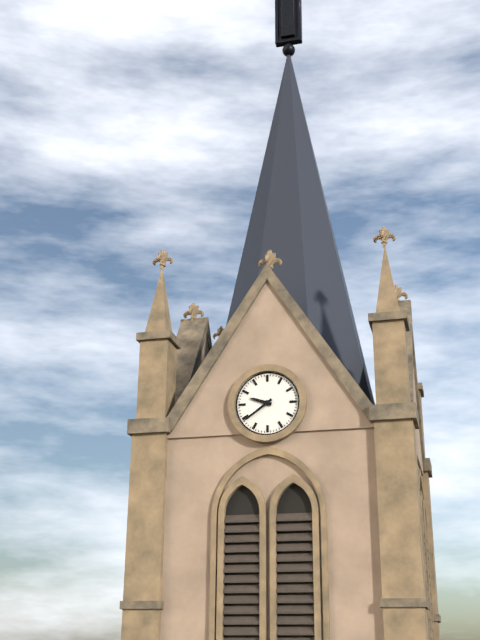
9:39
